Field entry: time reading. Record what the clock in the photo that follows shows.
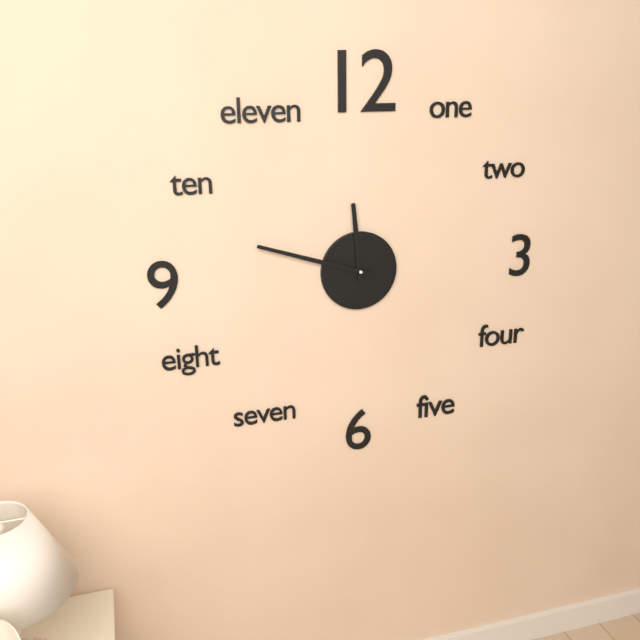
11:48
